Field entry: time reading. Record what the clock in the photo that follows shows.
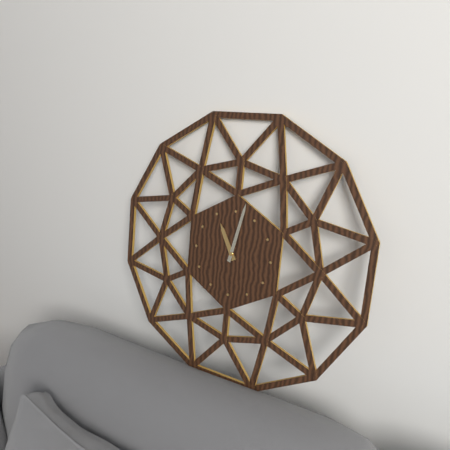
11:02
